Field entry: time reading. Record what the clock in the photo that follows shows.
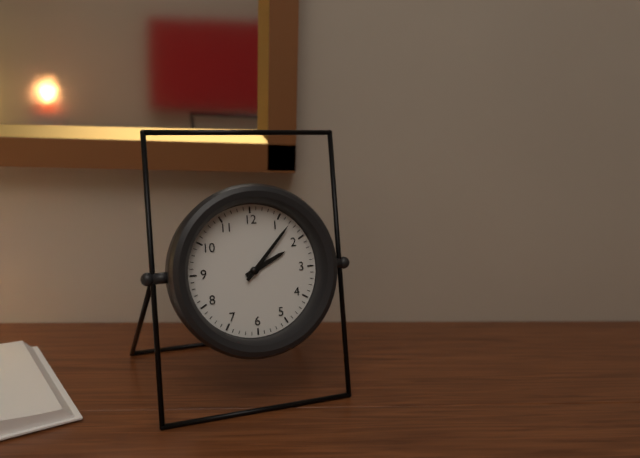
2:07
